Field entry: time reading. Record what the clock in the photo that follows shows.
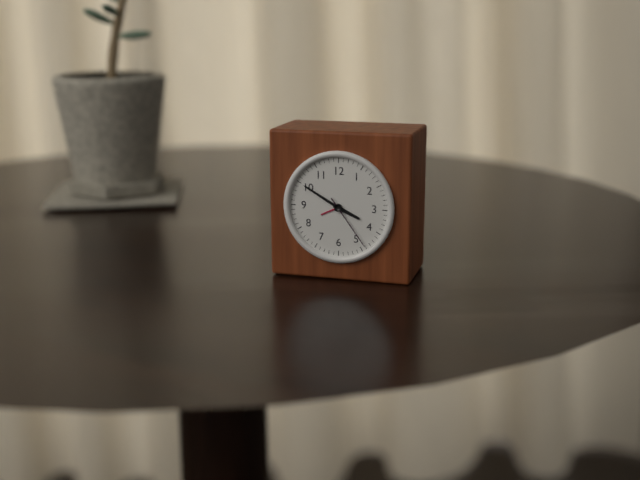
3:50:24
